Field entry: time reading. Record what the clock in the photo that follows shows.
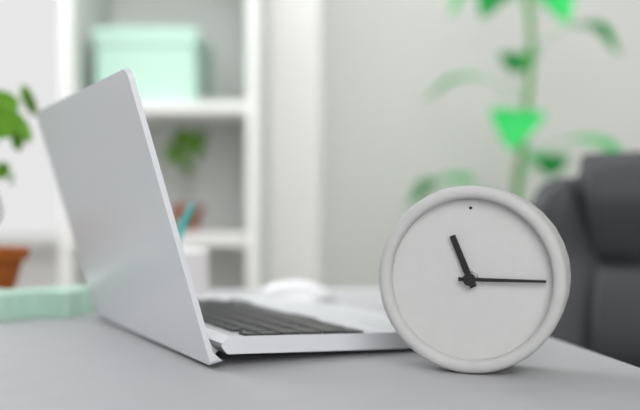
11:15
